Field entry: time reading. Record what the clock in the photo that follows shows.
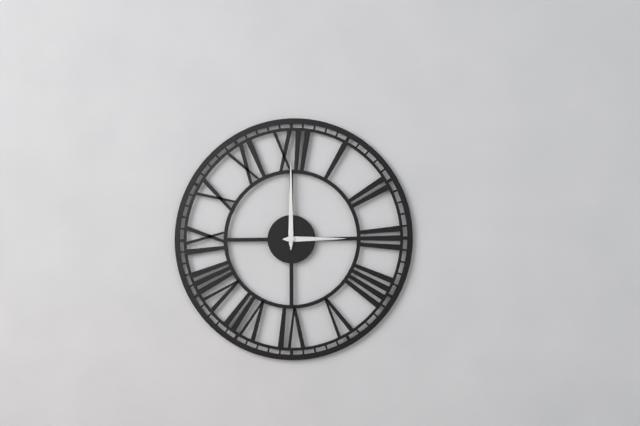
3:00
